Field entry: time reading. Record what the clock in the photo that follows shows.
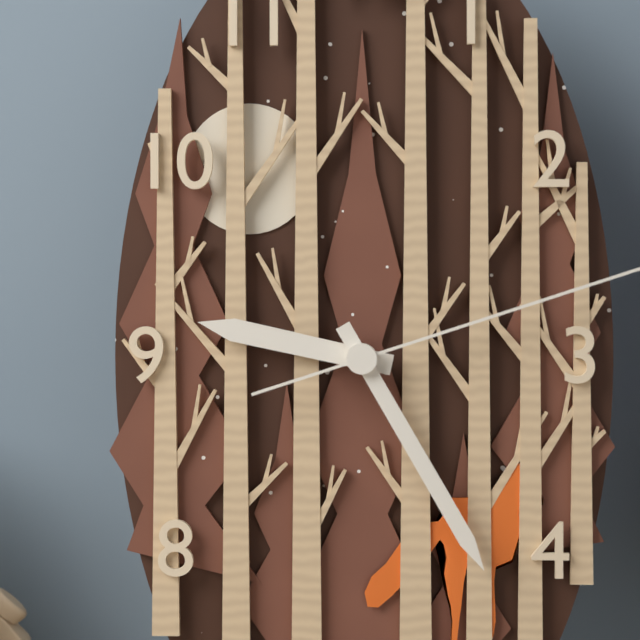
9:25
